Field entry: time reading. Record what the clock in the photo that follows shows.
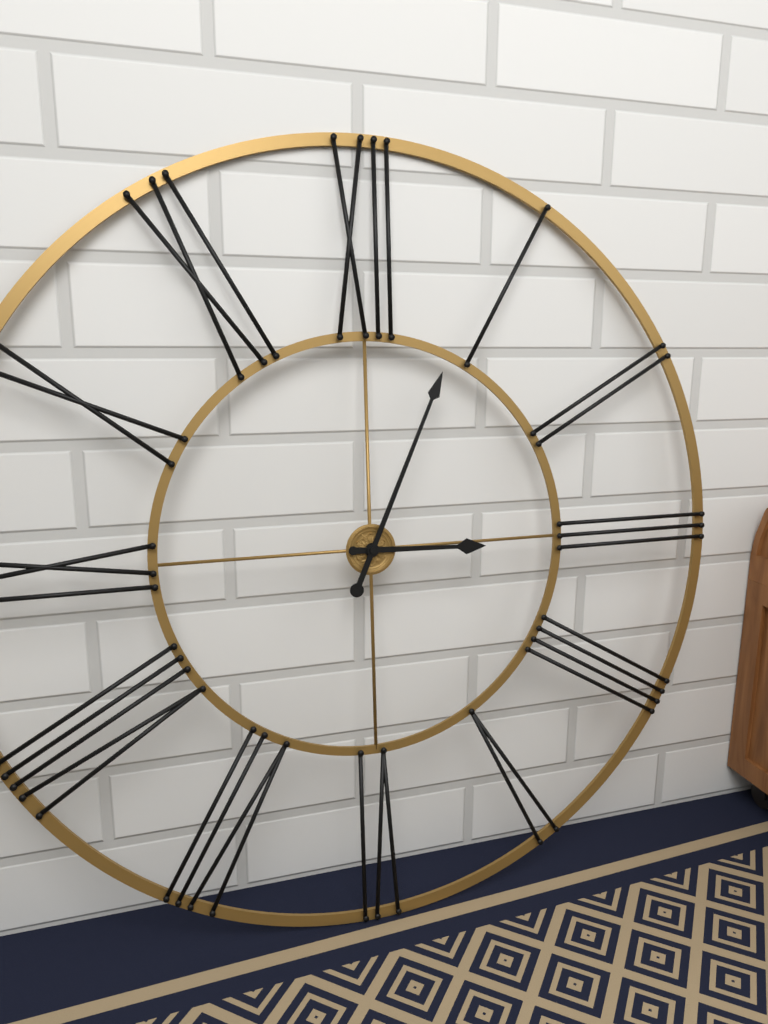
3:04
